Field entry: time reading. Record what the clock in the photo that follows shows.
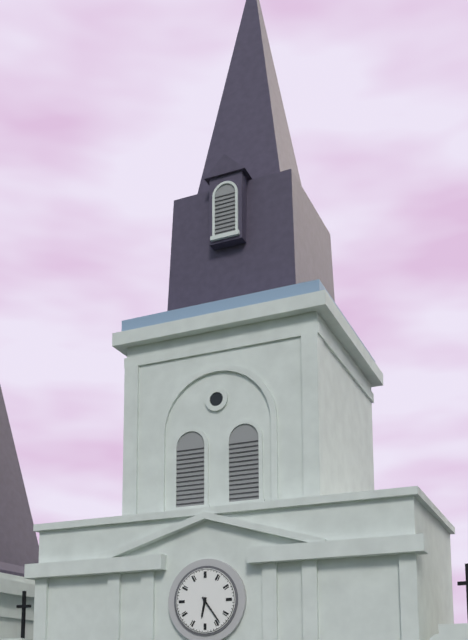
6:24
